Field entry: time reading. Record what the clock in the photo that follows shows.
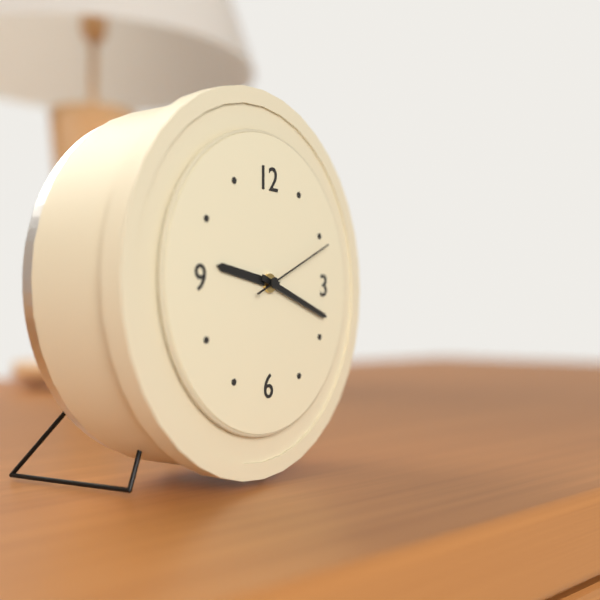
9:18:11
